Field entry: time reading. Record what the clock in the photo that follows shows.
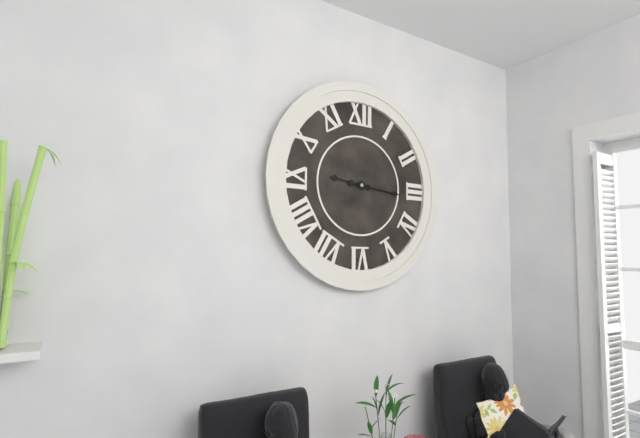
9:16
